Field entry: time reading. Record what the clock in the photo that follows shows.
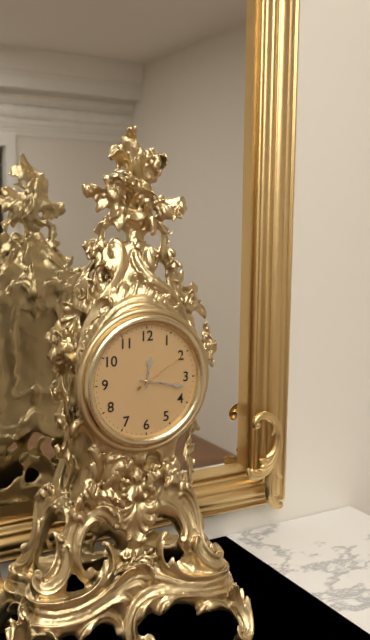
12:17:10
